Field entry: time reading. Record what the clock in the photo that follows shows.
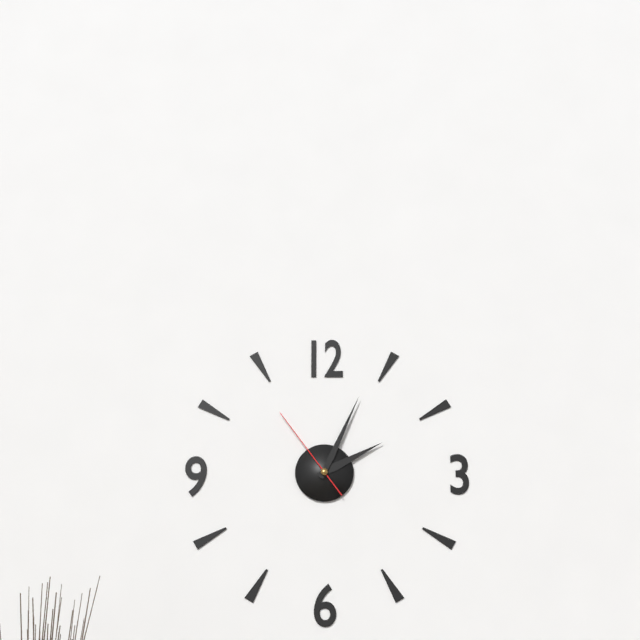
2:04:54
